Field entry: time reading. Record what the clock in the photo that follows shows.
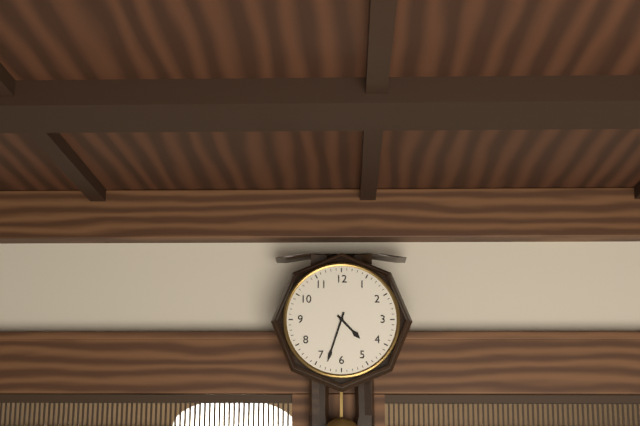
4:33
